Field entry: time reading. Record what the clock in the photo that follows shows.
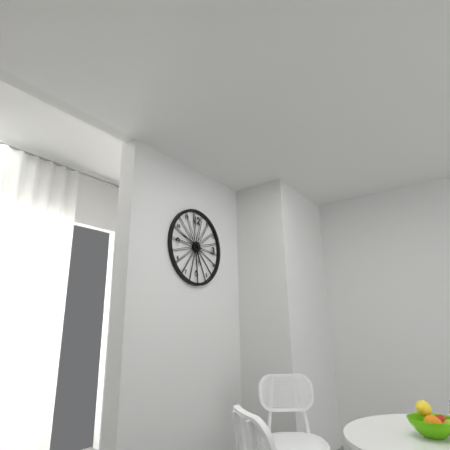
5:48
